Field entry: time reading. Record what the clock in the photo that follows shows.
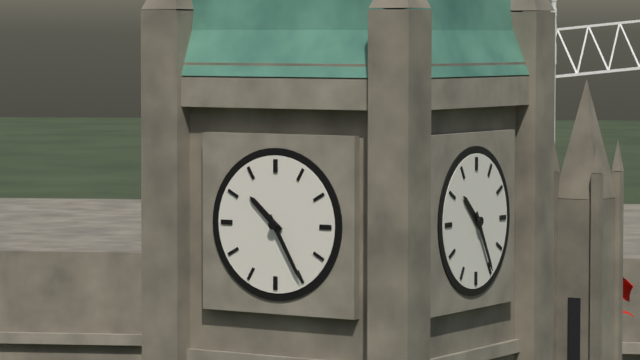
10:25
